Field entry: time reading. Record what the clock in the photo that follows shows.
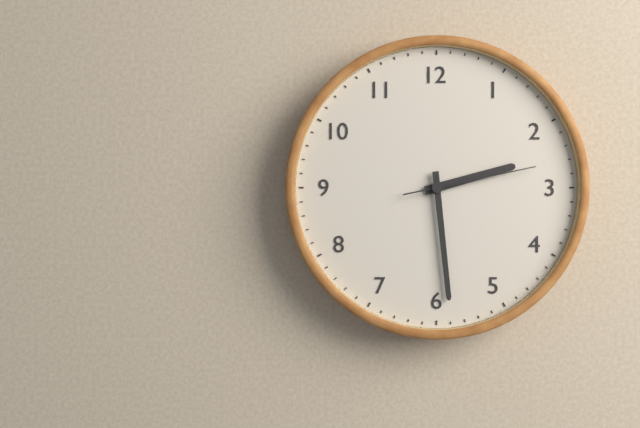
2:29:13
